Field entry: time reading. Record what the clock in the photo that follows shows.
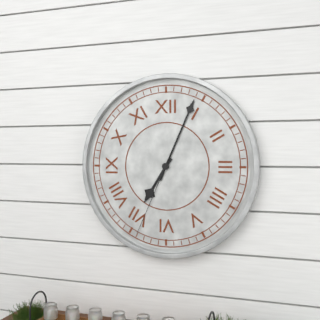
7:04:34
